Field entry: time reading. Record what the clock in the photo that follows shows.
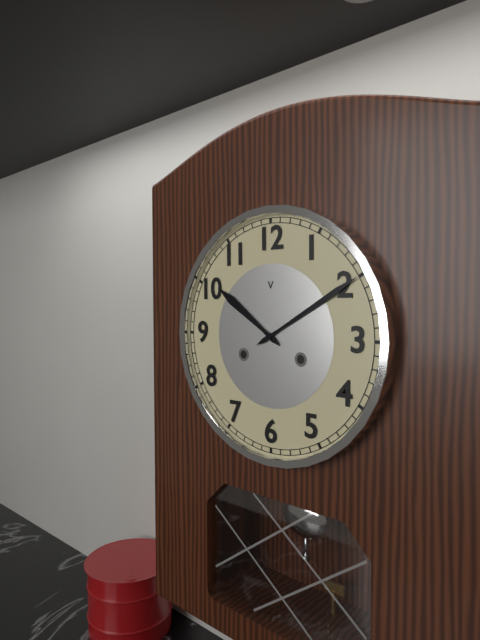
10:10
